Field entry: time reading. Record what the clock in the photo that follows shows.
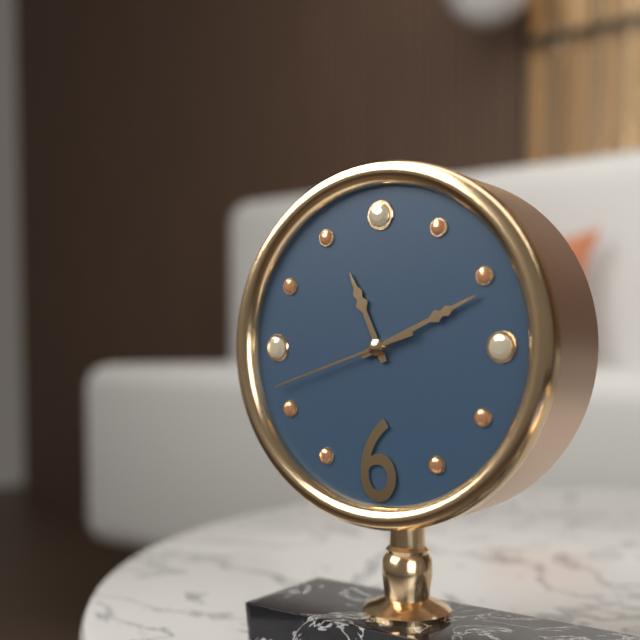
11:11:42
